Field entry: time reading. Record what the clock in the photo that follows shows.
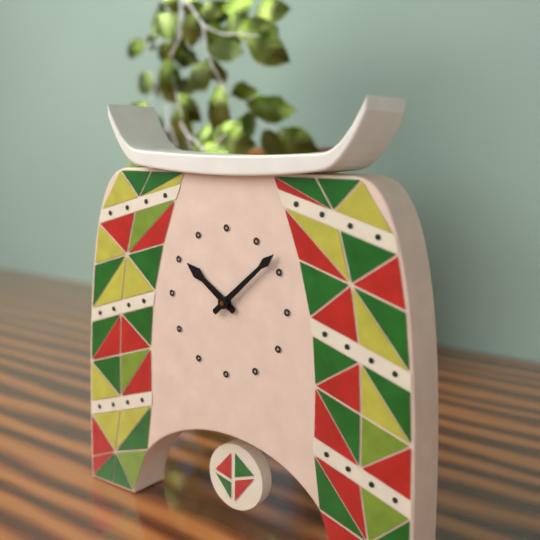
10:08
